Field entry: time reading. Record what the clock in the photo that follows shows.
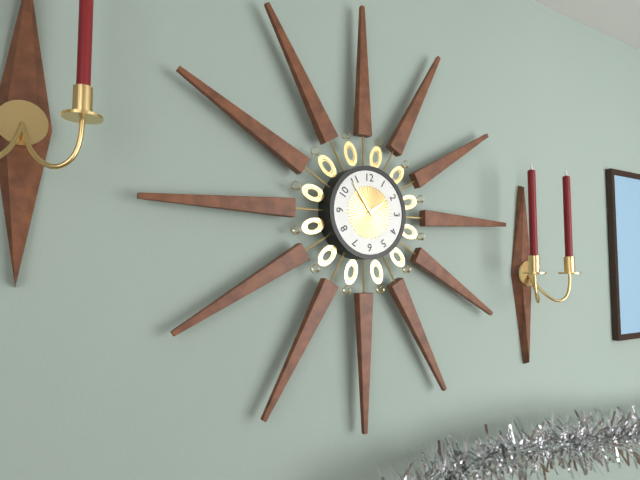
1:54
